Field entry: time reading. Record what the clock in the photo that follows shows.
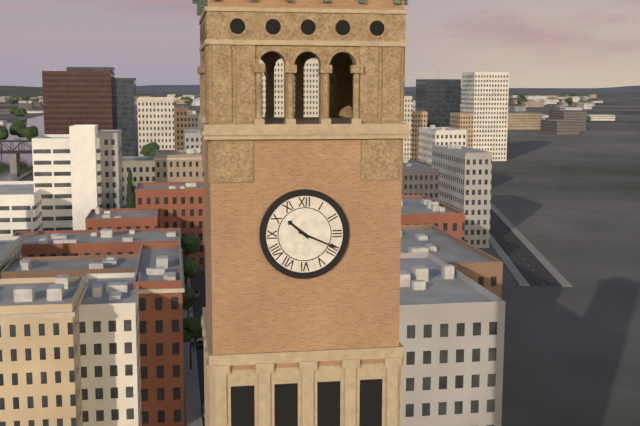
10:19
